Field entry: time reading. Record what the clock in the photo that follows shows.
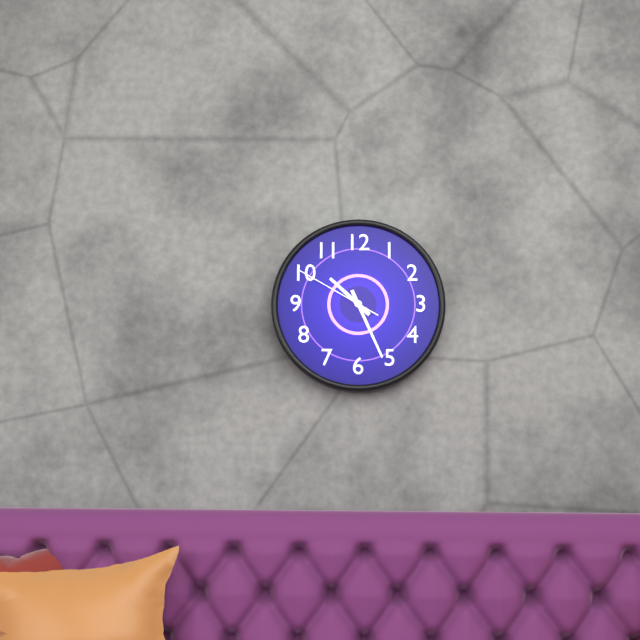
10:26:50
